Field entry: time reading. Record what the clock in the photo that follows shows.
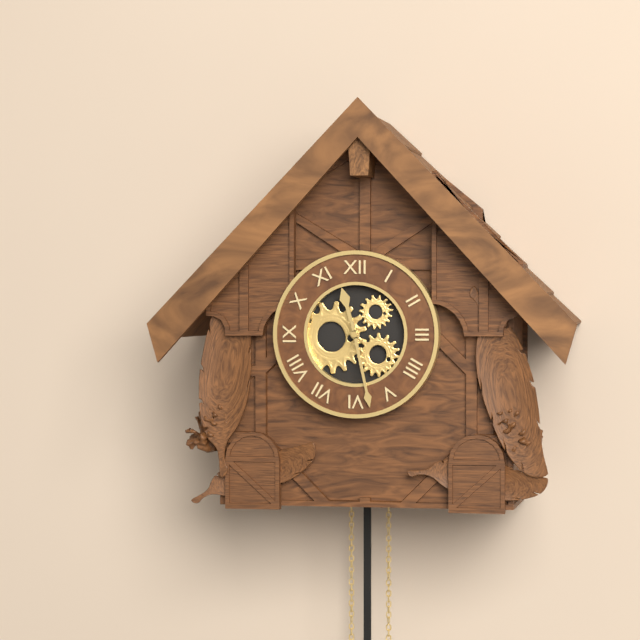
11:28
